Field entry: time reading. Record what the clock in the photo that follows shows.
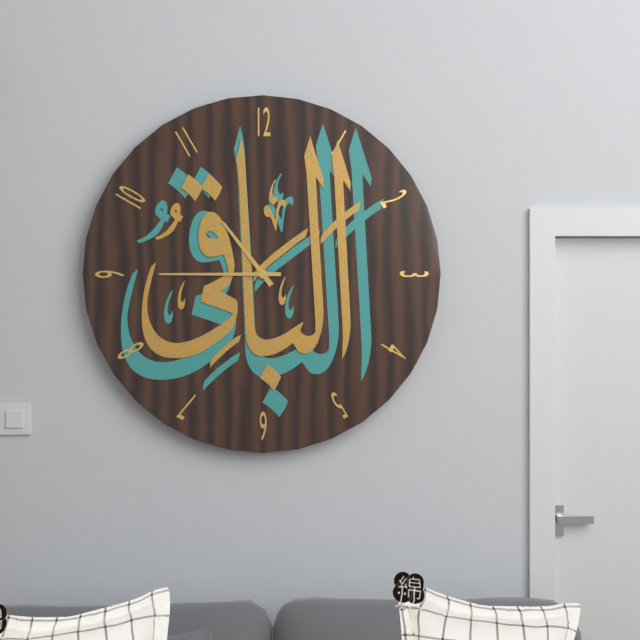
10:45
